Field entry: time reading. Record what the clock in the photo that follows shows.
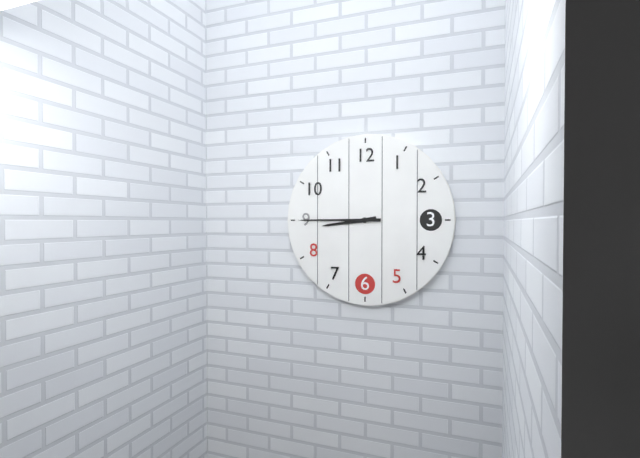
8:45
